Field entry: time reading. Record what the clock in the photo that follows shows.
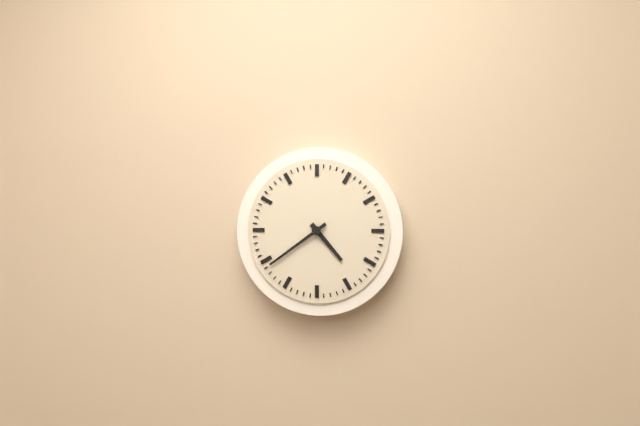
4:39
